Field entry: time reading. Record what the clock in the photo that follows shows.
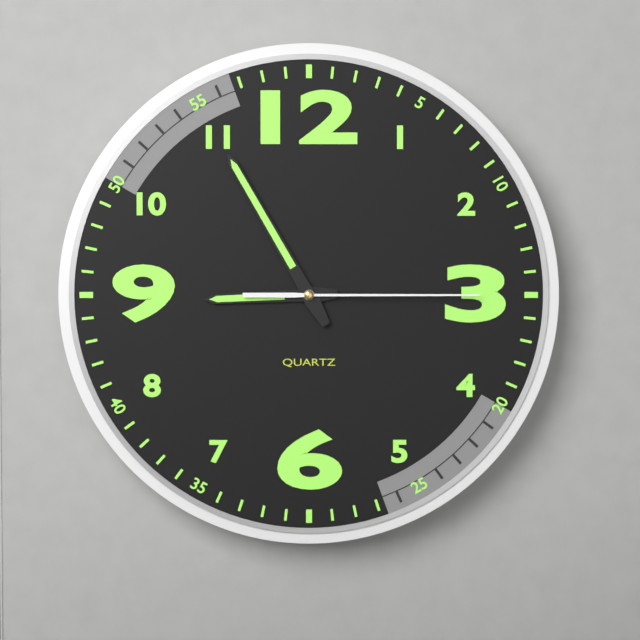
8:55:15
